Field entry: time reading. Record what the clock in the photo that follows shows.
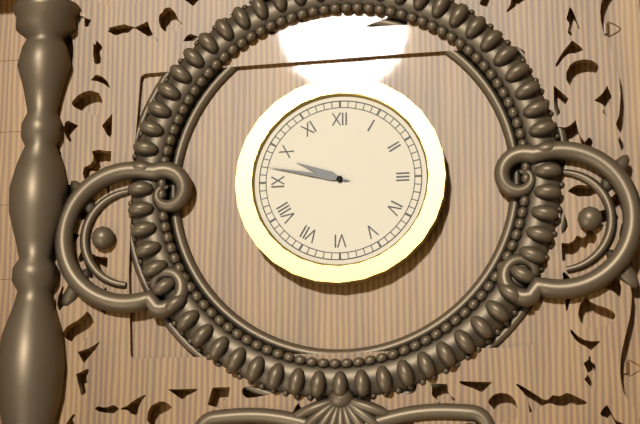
9:47
